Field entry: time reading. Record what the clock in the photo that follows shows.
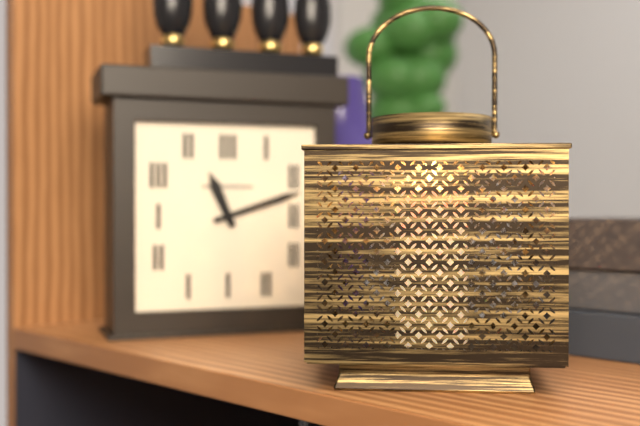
11:12
